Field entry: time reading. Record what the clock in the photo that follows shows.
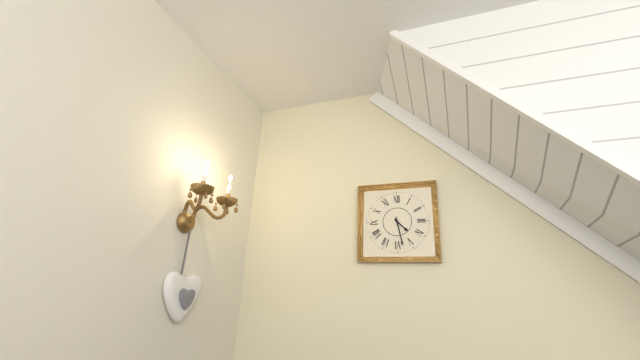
4:28
